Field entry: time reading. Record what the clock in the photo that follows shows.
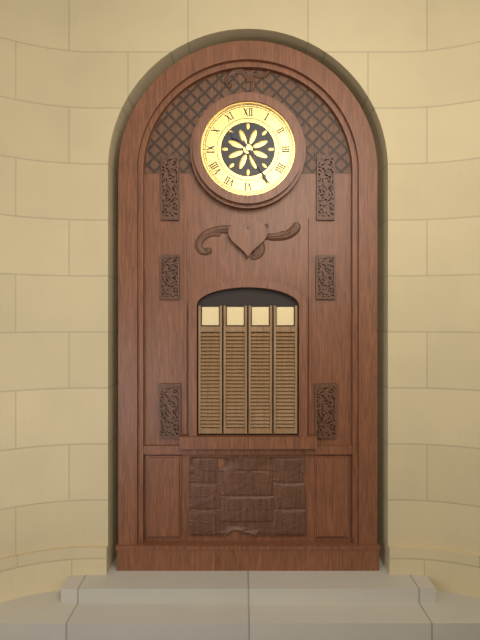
10:25
